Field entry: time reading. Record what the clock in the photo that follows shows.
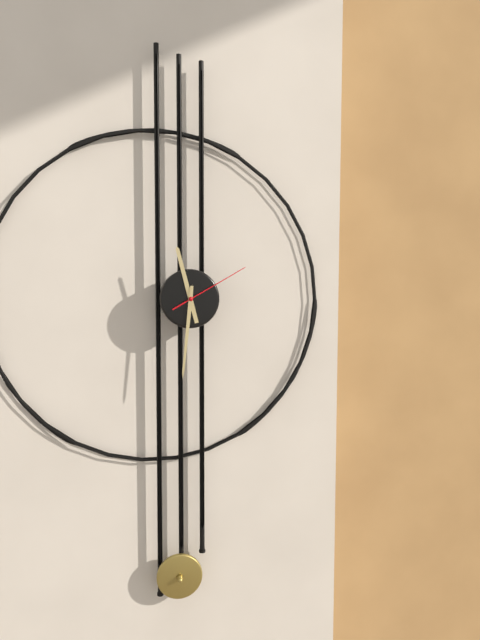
11:31:10
